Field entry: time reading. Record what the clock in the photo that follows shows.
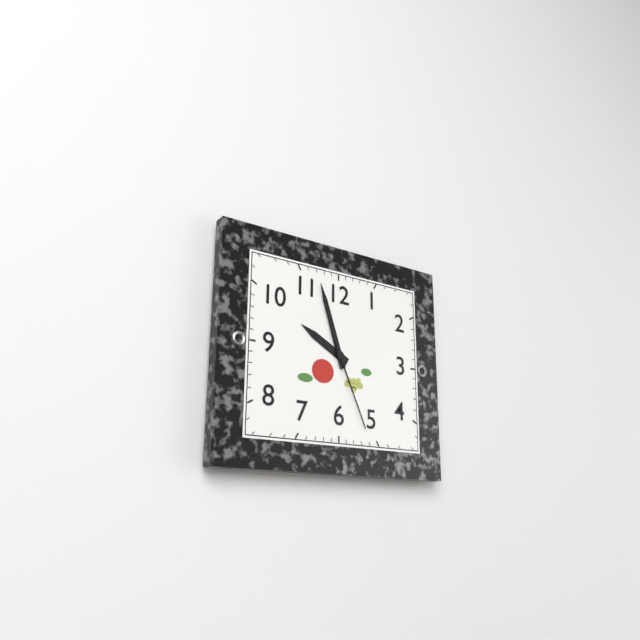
9:57:26
